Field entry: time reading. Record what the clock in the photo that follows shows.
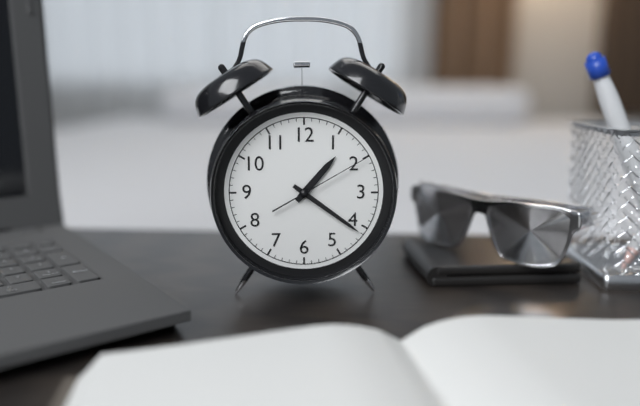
1:21:10
